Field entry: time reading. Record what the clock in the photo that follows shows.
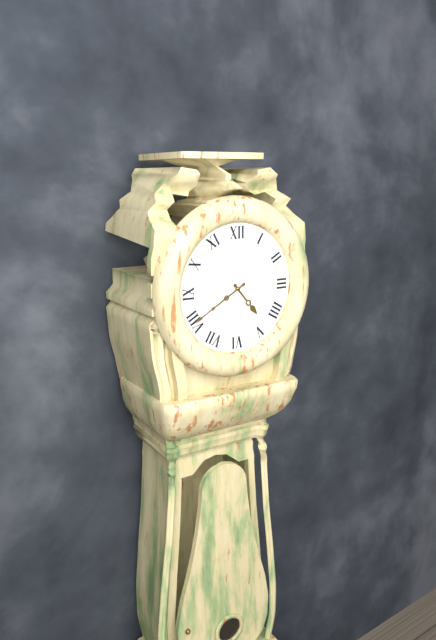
4:40
